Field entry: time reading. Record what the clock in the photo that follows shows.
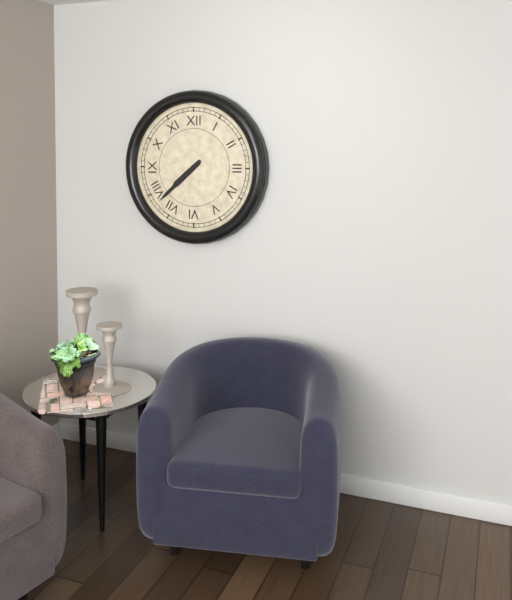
7:38
